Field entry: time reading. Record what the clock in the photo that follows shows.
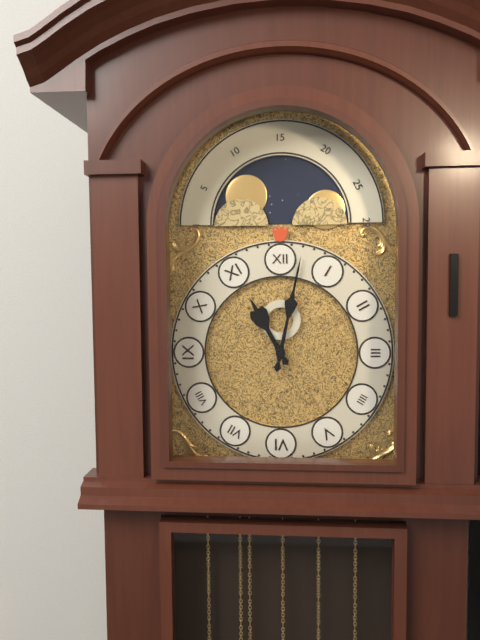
11:02
